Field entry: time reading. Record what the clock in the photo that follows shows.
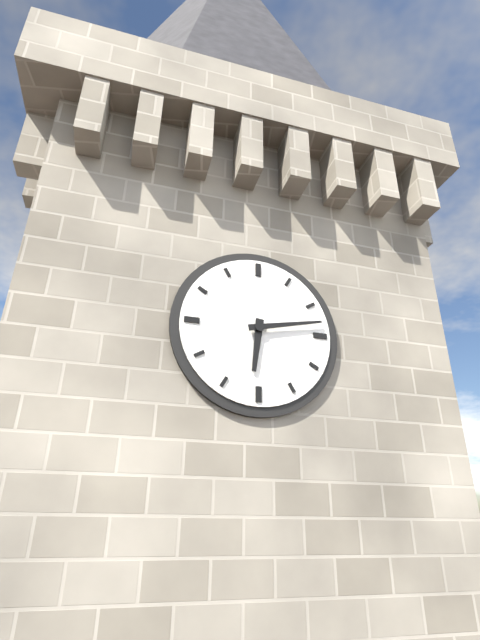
6:13
